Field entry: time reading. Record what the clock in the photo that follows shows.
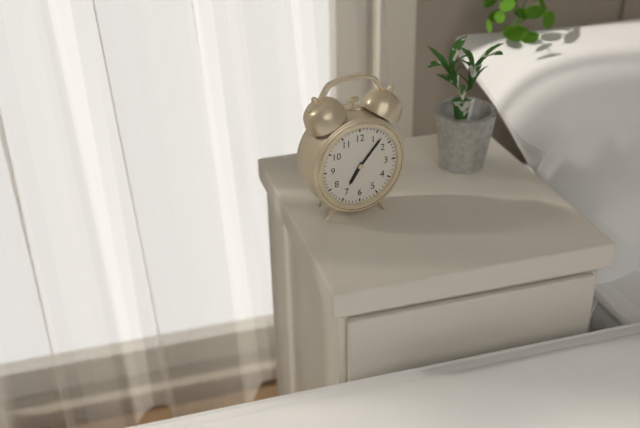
7:07
